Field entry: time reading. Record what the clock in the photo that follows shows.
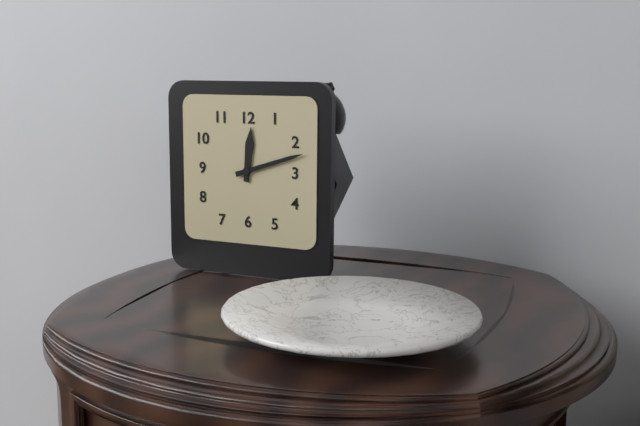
12:12
